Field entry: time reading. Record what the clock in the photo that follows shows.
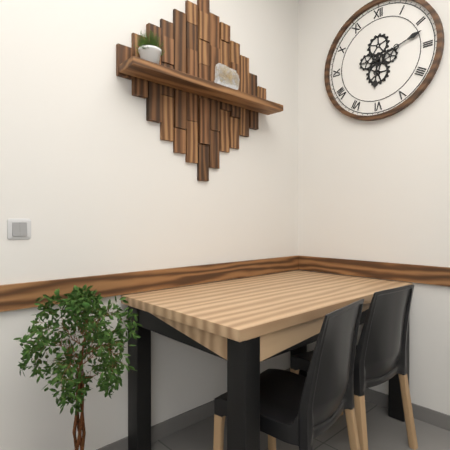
6:12
